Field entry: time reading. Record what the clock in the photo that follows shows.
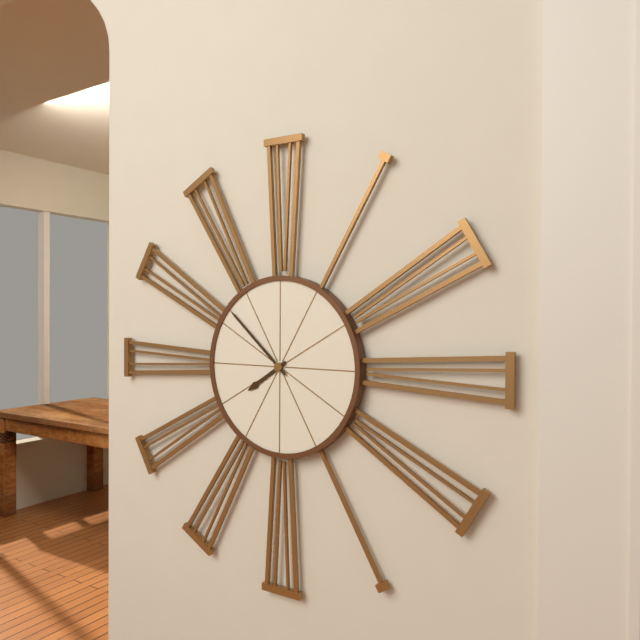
7:52
